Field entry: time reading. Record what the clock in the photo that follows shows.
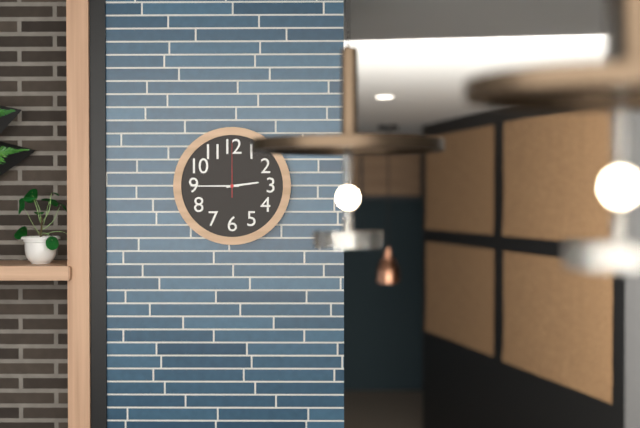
2:45:00
